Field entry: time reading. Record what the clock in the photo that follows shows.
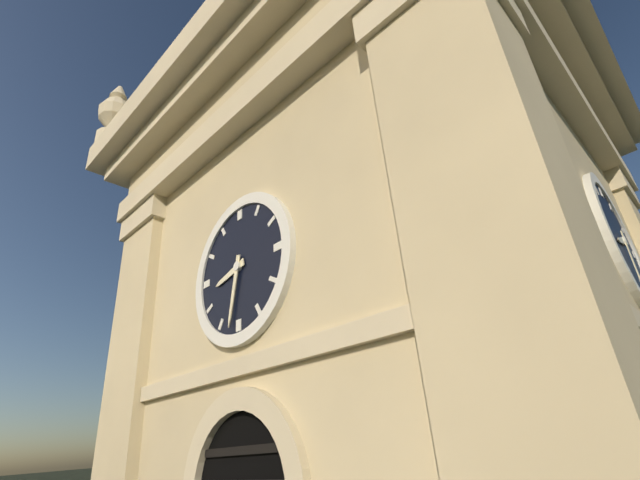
8:32
